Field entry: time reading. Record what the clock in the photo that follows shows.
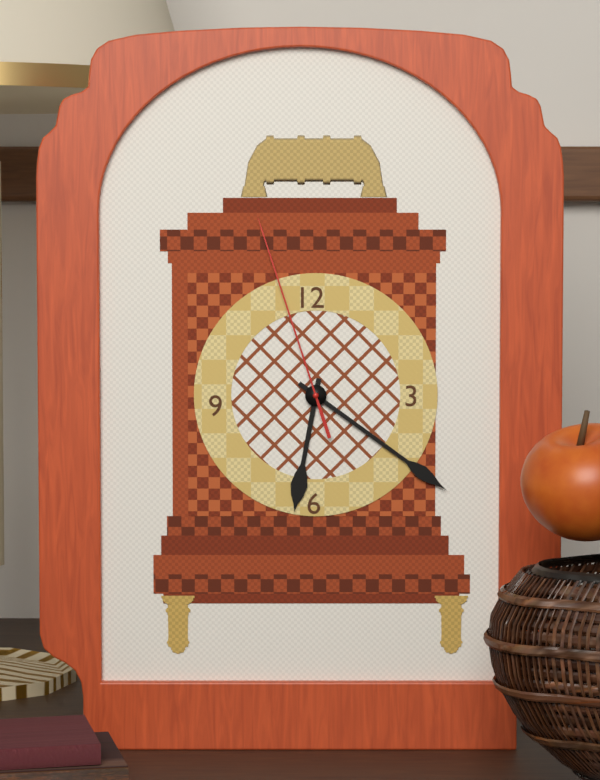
6:21:57
